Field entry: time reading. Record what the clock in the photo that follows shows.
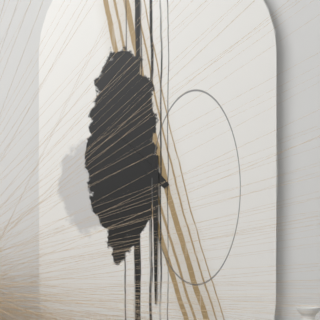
10:30
